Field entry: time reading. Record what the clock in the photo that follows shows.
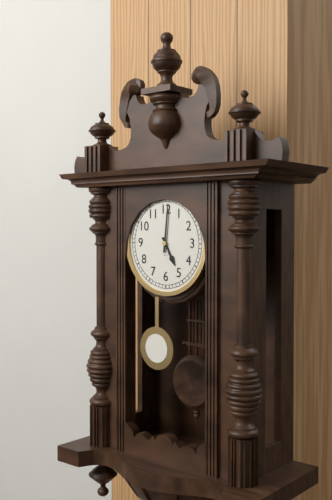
5:01
